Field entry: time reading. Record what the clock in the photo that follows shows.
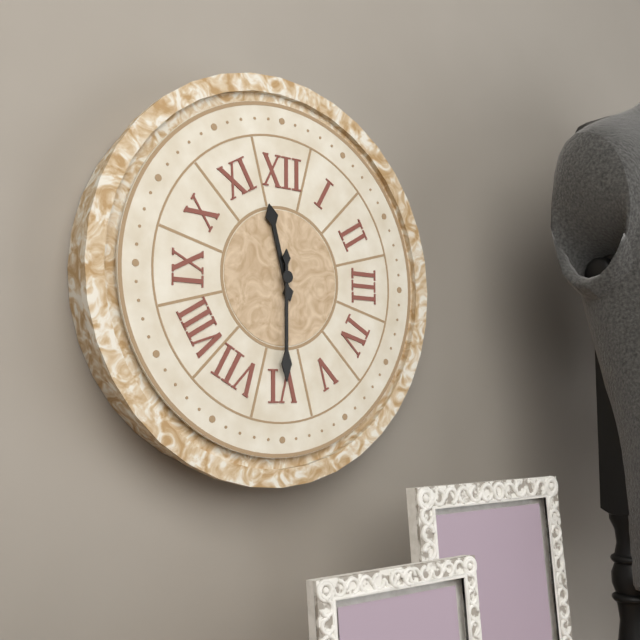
11:30
